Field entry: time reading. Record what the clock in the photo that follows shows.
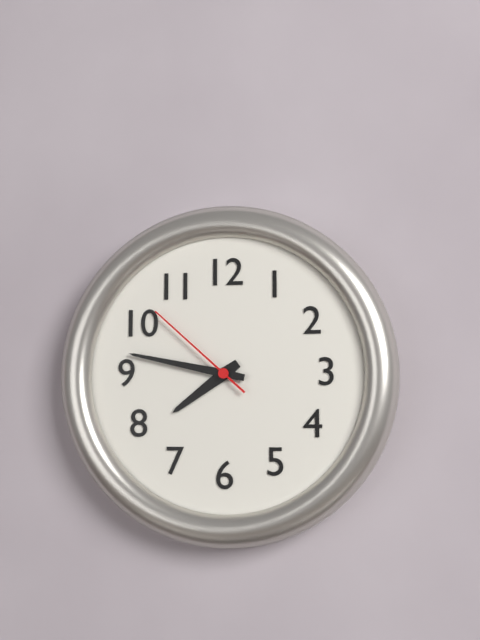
7:47:52
